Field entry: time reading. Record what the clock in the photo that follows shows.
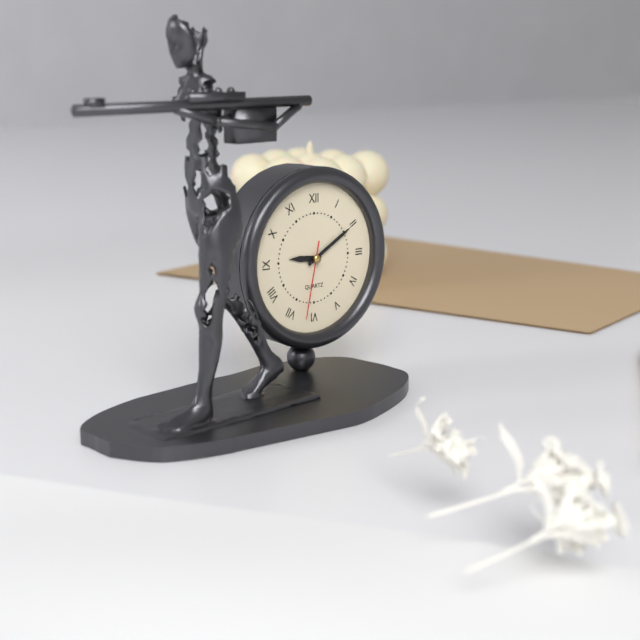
9:10:32
